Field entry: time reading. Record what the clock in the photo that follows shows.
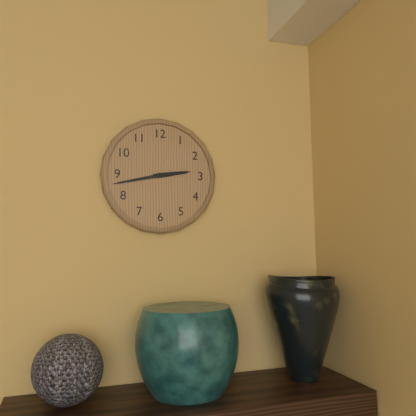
2:43
